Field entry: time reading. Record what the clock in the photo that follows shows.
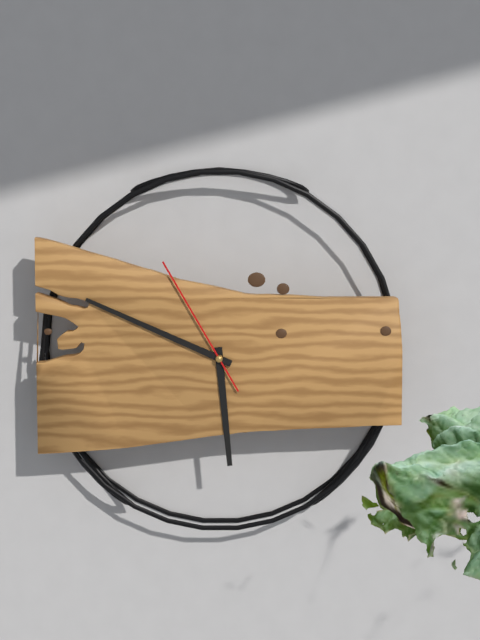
5:49:55
